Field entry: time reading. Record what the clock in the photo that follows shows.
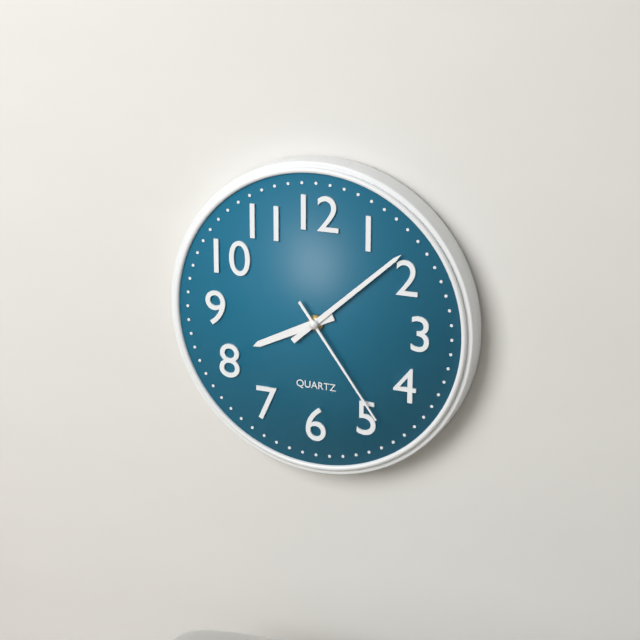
8:08:24
